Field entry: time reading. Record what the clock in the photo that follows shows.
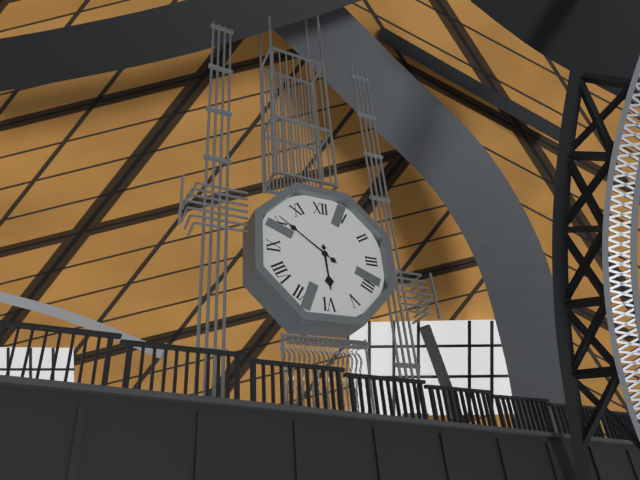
5:51
